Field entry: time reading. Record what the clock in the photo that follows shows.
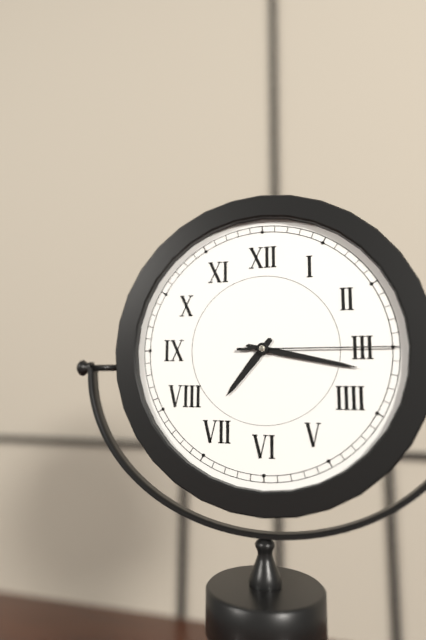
7:17:15
